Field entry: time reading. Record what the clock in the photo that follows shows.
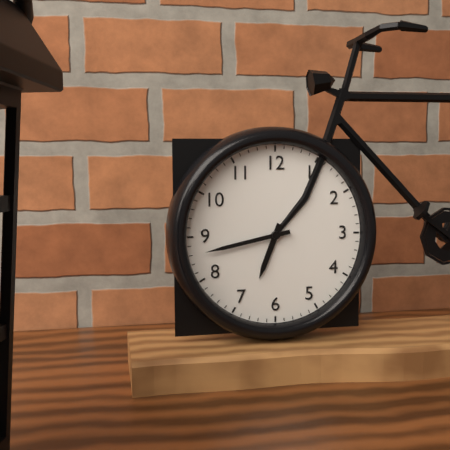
6:43
